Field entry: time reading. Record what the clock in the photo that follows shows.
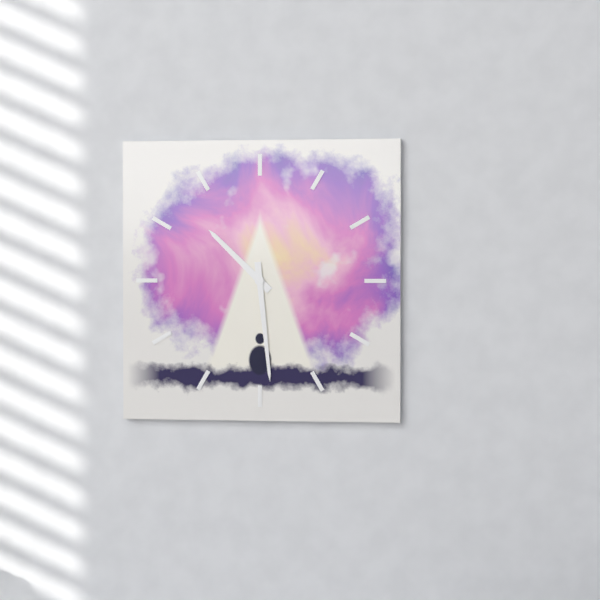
10:29
